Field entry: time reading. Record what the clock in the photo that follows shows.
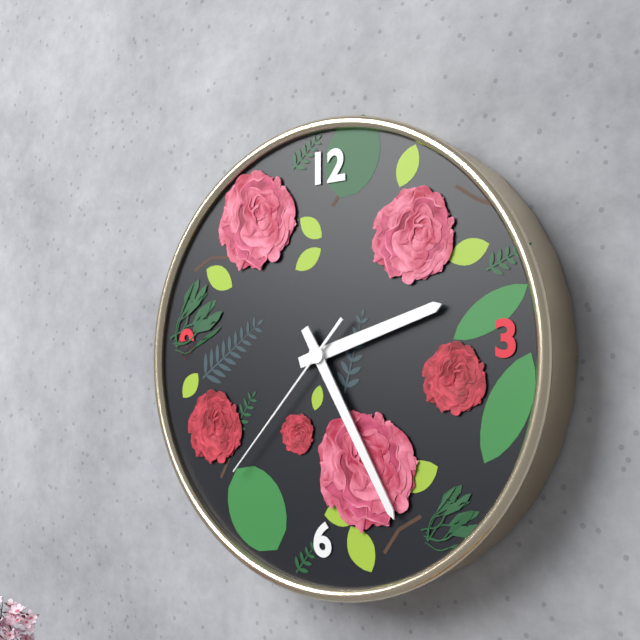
2:25:37
